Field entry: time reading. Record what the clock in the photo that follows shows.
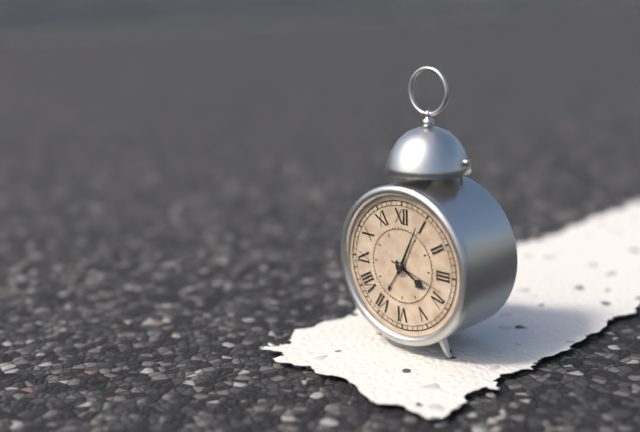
4:04:18
